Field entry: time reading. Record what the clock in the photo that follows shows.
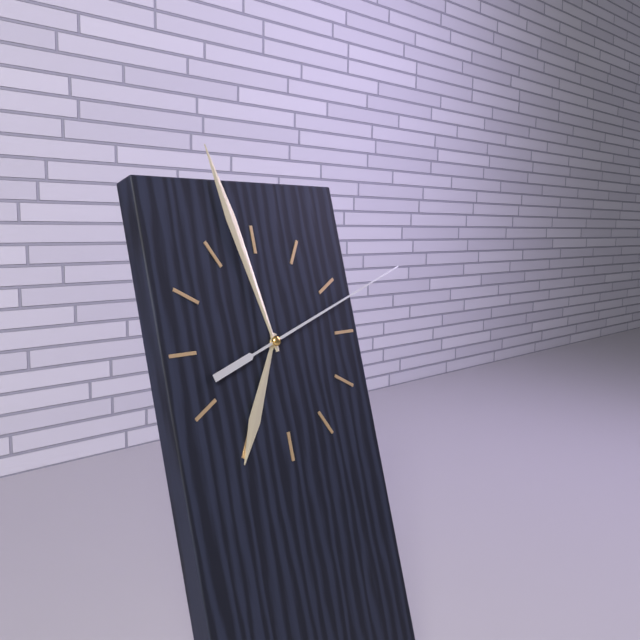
6:58:12
